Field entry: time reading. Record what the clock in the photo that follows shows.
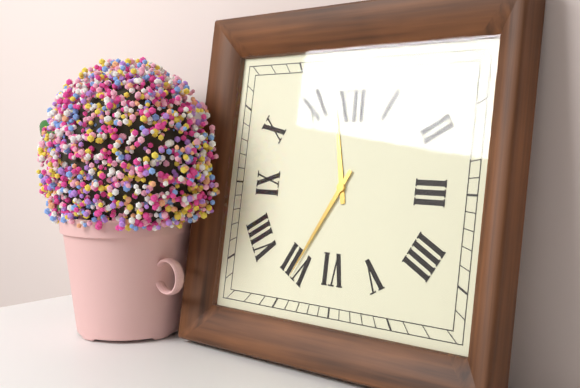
11:35
